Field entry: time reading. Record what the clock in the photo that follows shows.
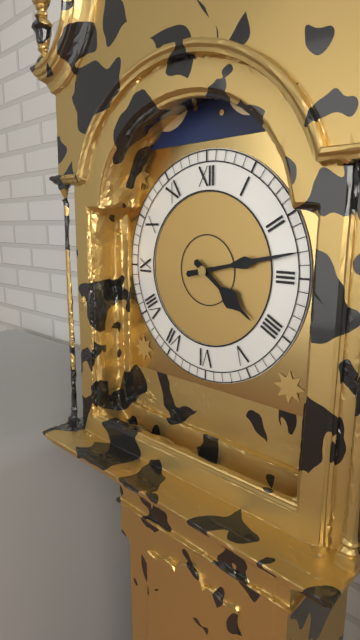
4:13
